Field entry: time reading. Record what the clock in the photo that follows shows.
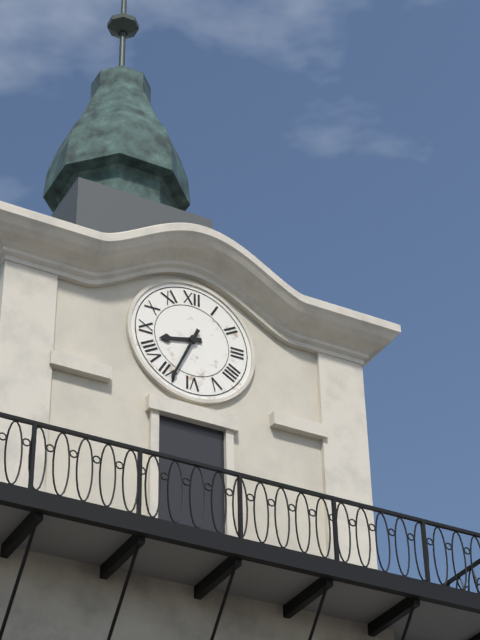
8:34
